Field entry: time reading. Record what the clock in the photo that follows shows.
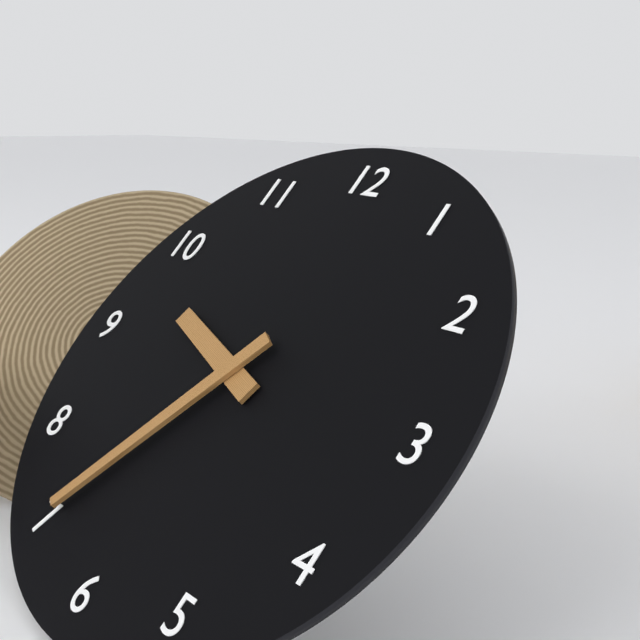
9:35
